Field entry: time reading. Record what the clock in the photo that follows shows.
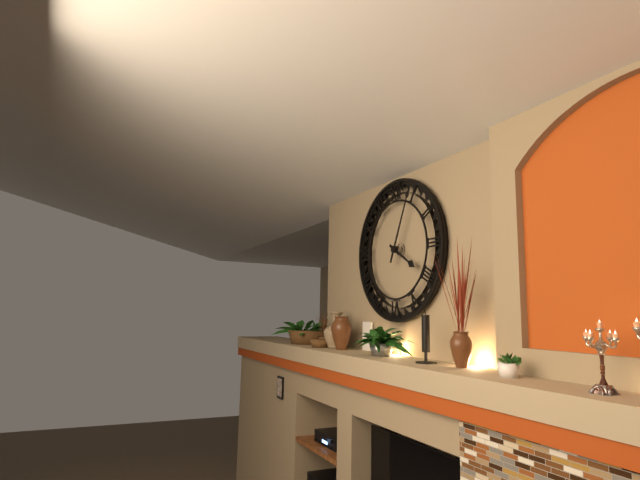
4:04
